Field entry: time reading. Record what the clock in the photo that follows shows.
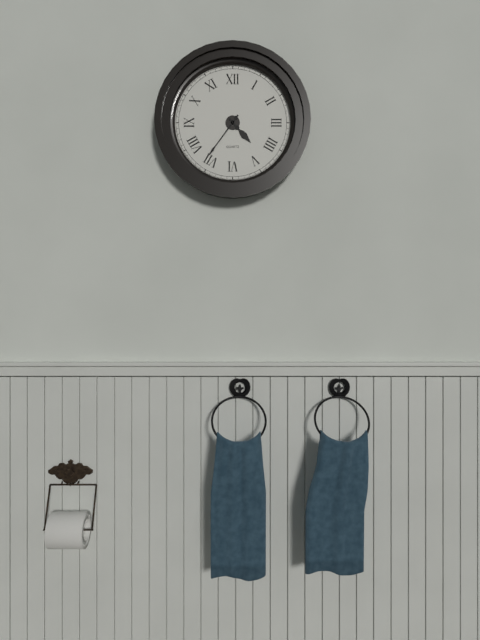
4:36
